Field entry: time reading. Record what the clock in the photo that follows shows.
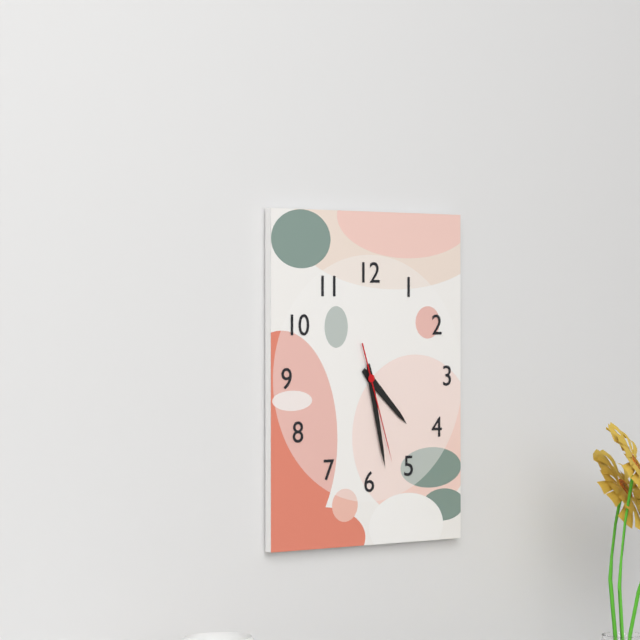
4:28:27
